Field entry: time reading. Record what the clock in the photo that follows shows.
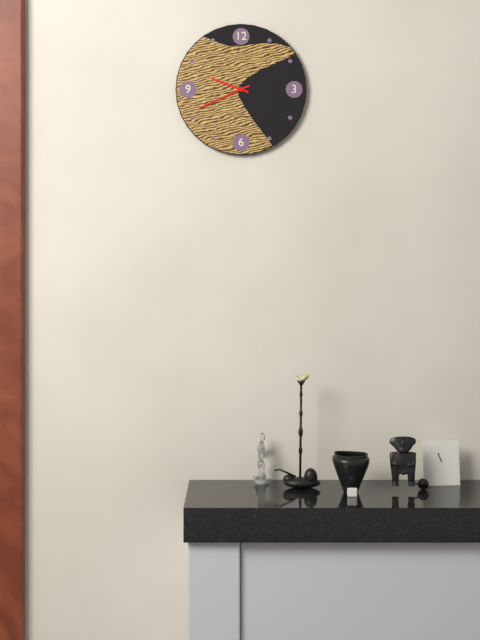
9:41
